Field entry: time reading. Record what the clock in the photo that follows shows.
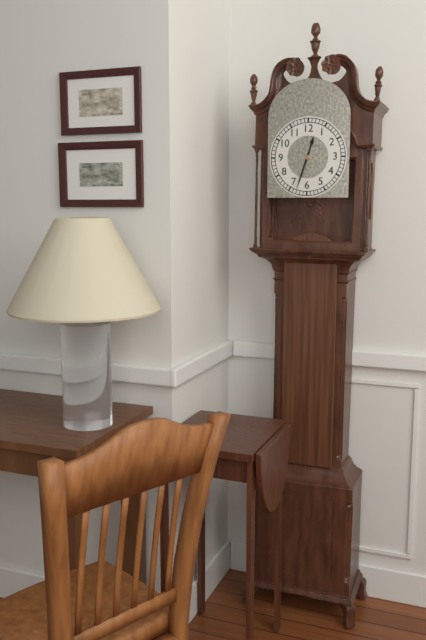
12:33
